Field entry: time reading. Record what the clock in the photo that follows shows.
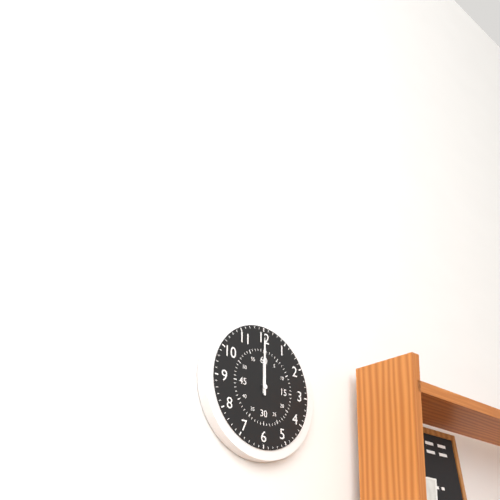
12:00
